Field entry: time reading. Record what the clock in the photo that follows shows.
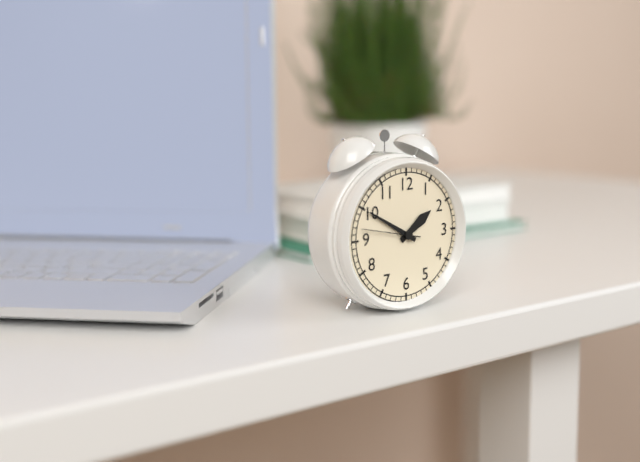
1:50:47
